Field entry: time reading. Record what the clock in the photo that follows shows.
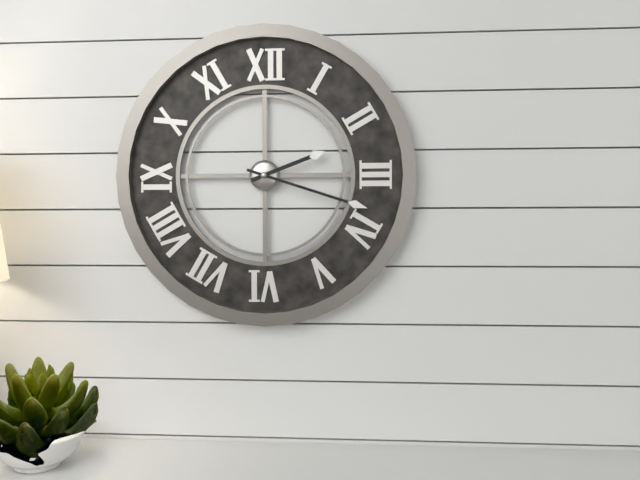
2:18
